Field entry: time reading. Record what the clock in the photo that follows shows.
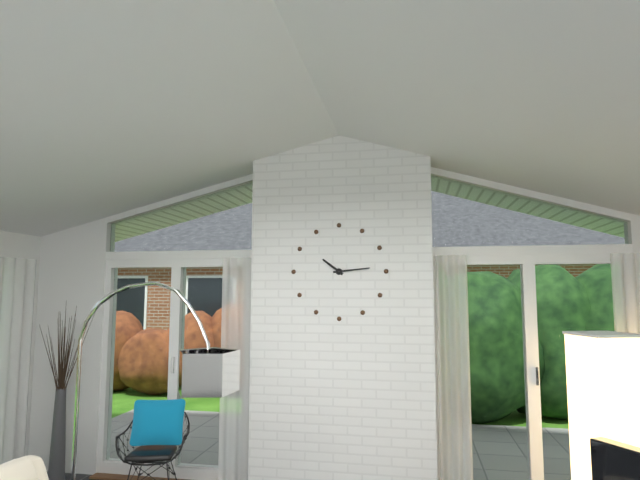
10:14
